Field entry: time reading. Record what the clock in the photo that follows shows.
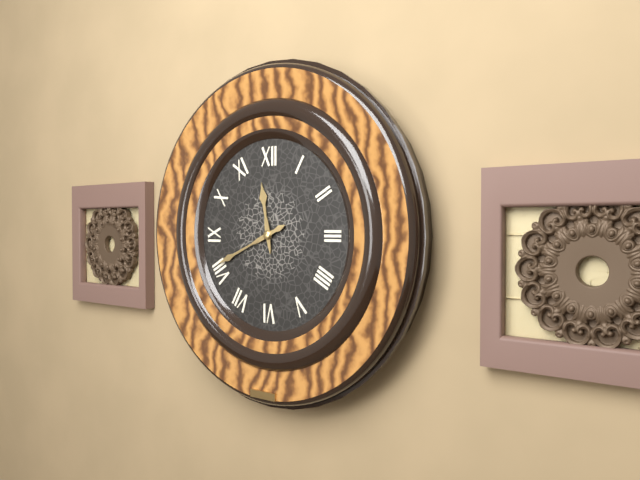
11:41
